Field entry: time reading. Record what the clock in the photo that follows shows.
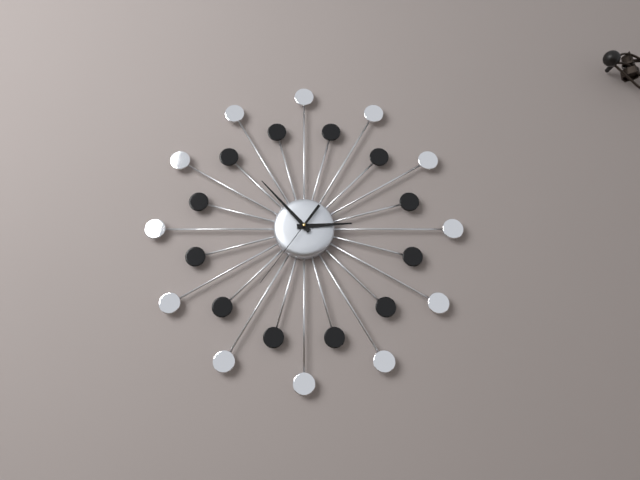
2:53:36
